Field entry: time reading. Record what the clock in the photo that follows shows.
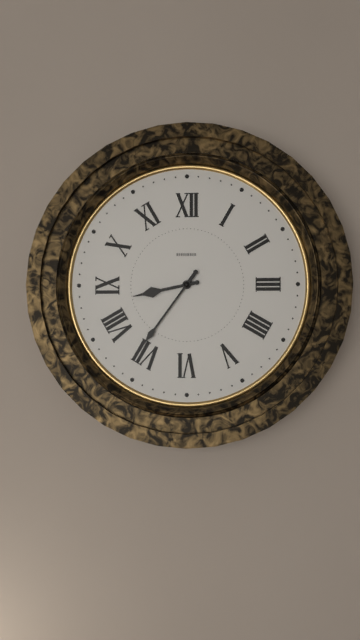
8:36
